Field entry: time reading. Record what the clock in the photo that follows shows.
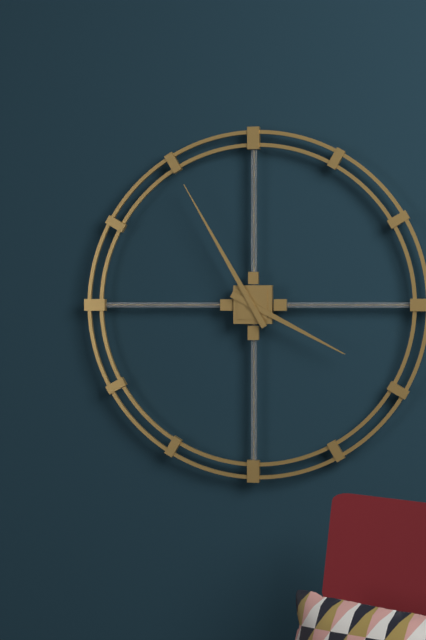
3:55
